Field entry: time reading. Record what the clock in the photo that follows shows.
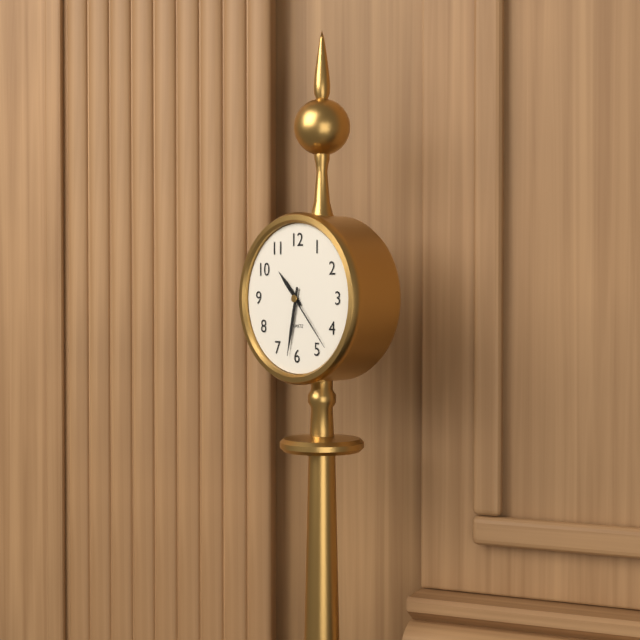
10:32:23
